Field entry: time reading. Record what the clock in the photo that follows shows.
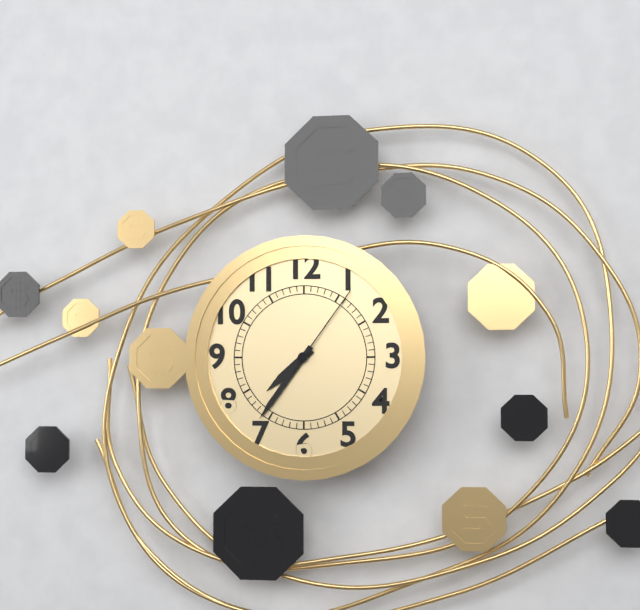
7:36:06
